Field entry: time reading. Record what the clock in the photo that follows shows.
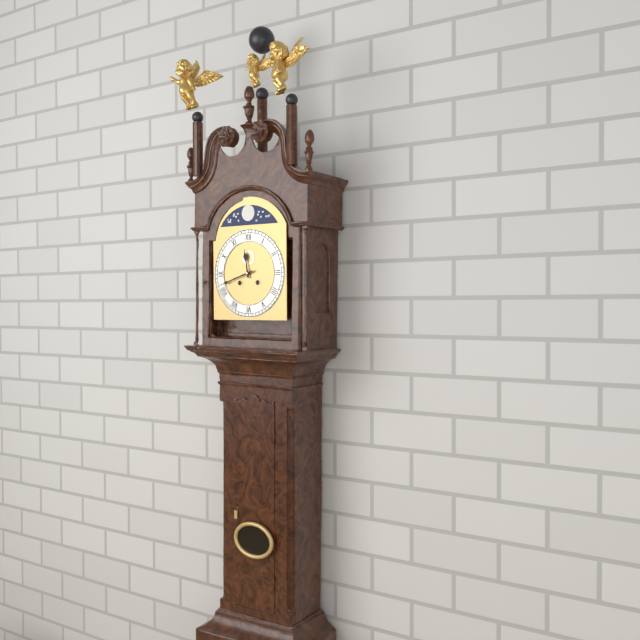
11:42
